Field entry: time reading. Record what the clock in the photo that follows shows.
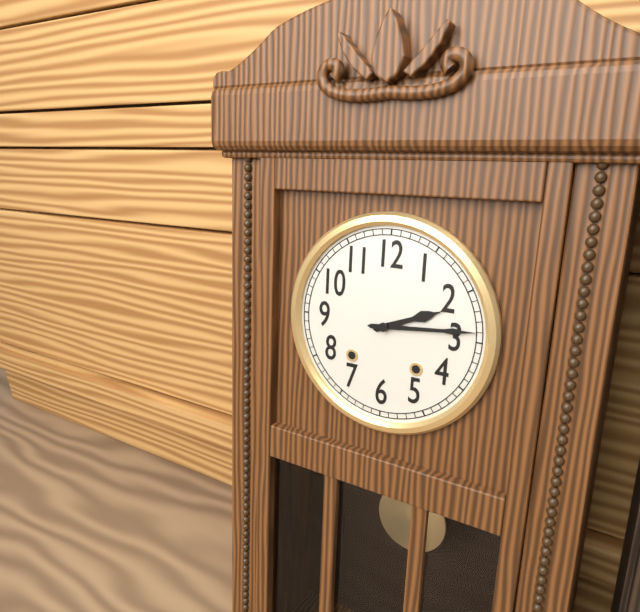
2:14
